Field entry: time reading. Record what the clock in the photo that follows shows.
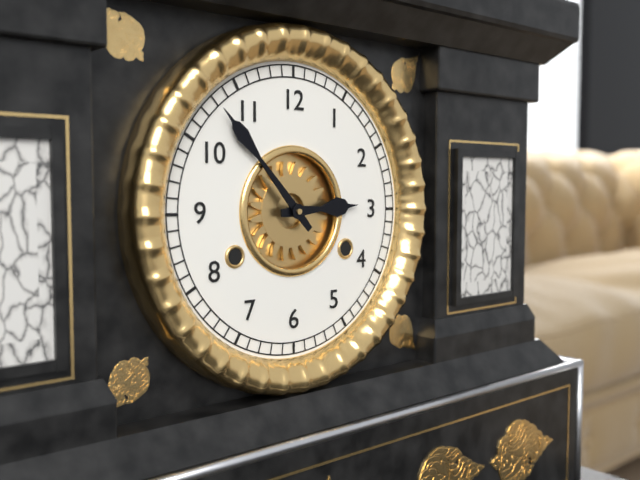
2:53
